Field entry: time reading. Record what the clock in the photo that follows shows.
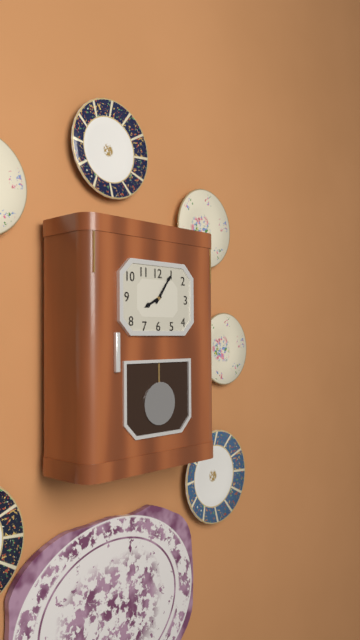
8:06
